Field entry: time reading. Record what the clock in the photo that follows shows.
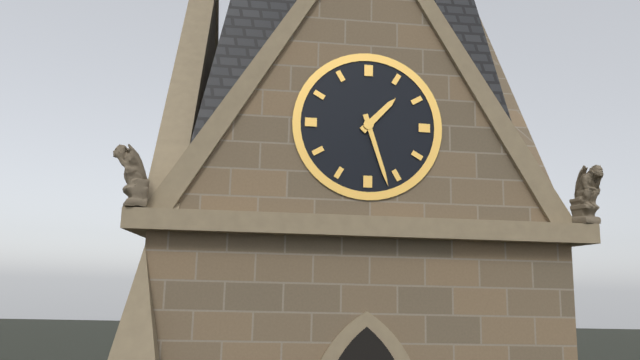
1:27
